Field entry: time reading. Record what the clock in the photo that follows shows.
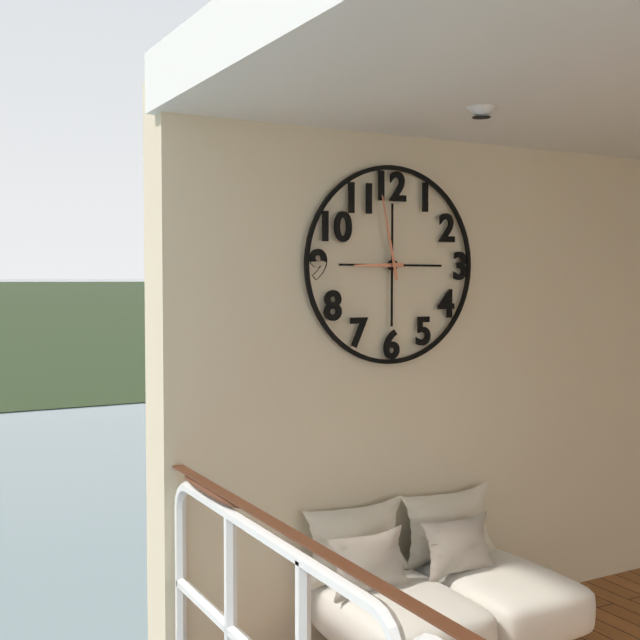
8:58
